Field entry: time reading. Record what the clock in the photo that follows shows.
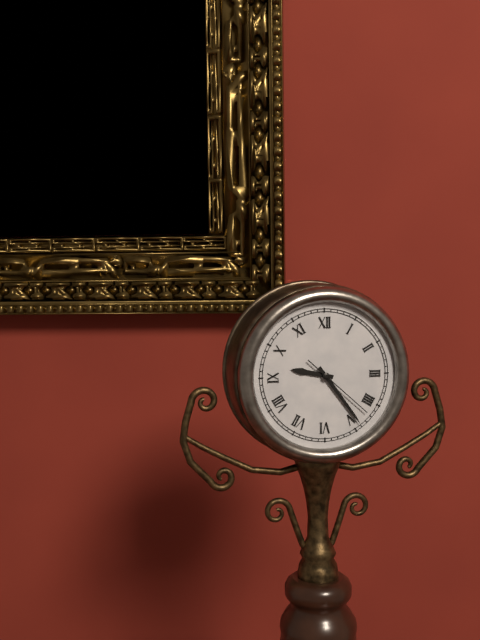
9:24:22
